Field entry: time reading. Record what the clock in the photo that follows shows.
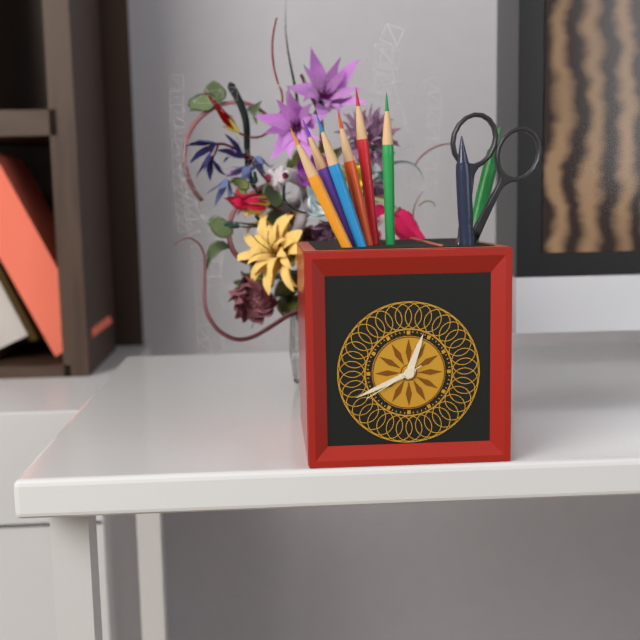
12:41:40
